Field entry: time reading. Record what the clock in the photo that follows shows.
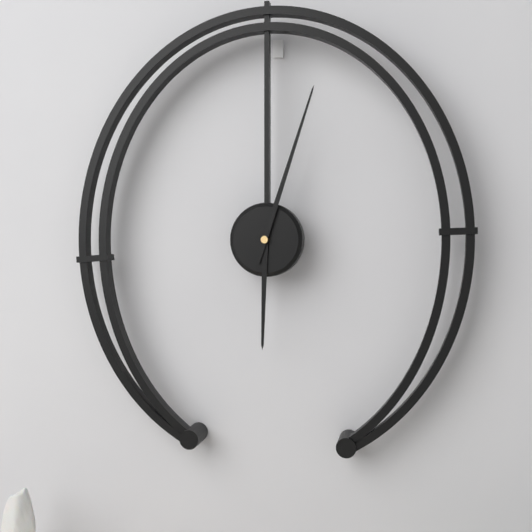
6:03
